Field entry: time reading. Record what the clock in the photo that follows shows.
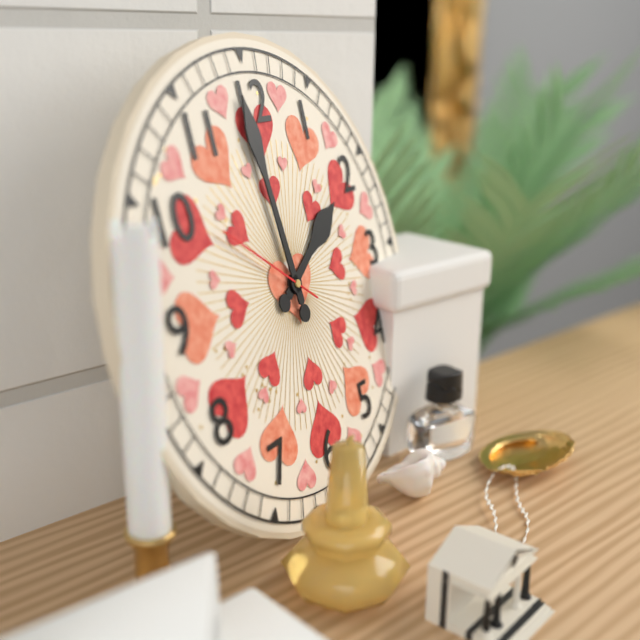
1:59:51
